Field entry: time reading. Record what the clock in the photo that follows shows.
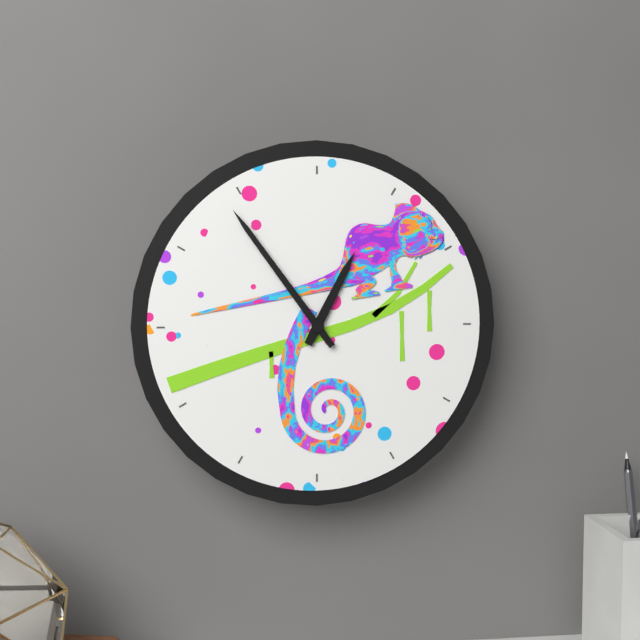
12:54
